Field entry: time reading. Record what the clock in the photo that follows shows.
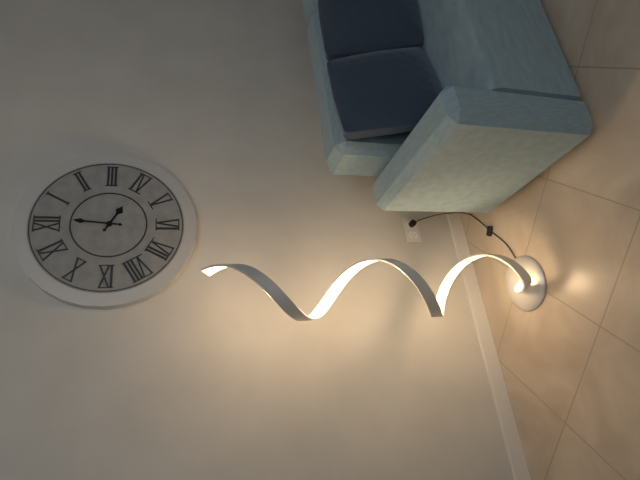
4:01
